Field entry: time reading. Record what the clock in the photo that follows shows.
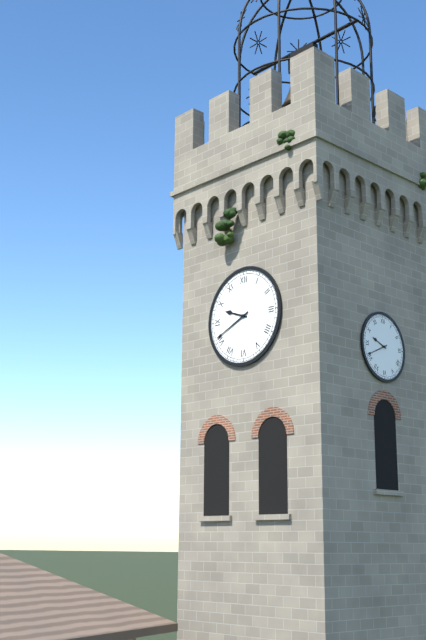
9:41
